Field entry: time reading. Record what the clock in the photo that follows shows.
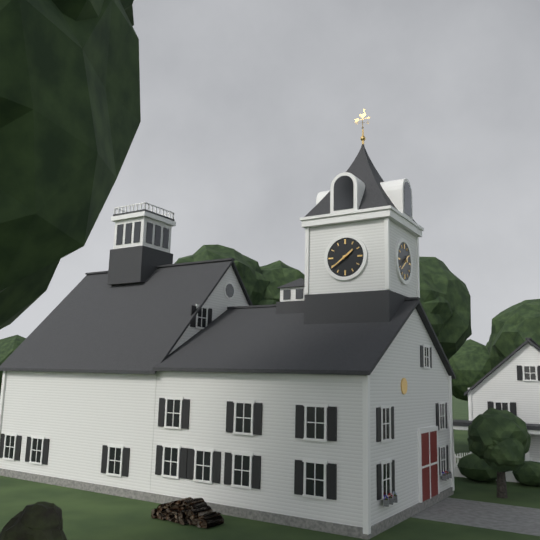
1:39
